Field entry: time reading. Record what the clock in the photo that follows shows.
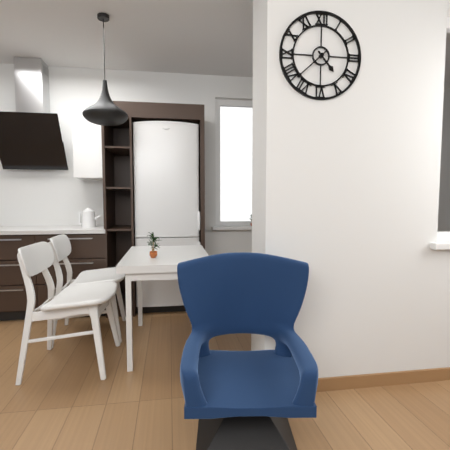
4:38
